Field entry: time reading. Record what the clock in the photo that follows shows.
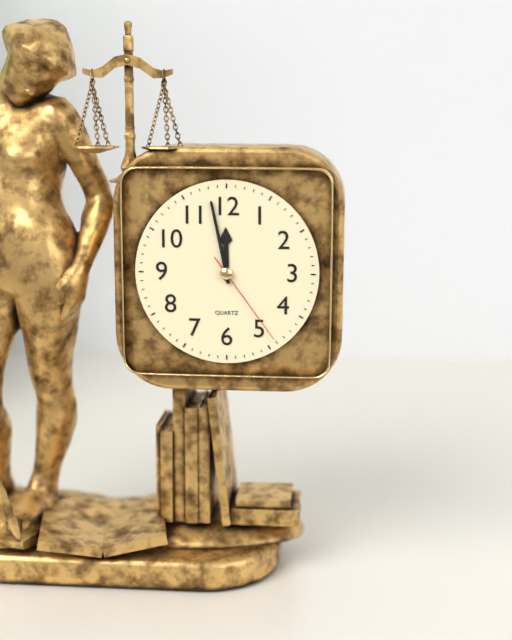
11:58:24
